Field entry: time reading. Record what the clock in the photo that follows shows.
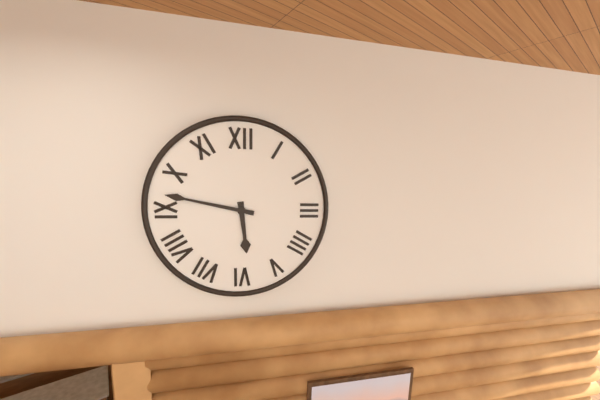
5:47
